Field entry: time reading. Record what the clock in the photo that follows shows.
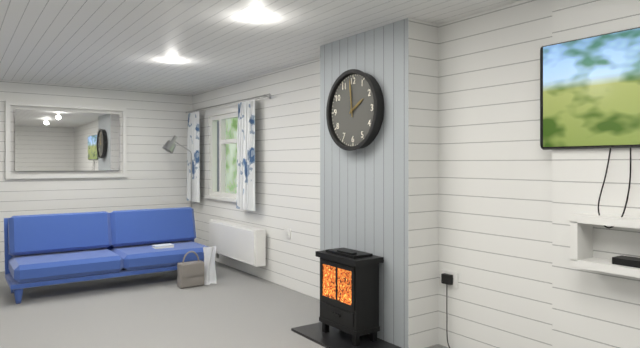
1:59
